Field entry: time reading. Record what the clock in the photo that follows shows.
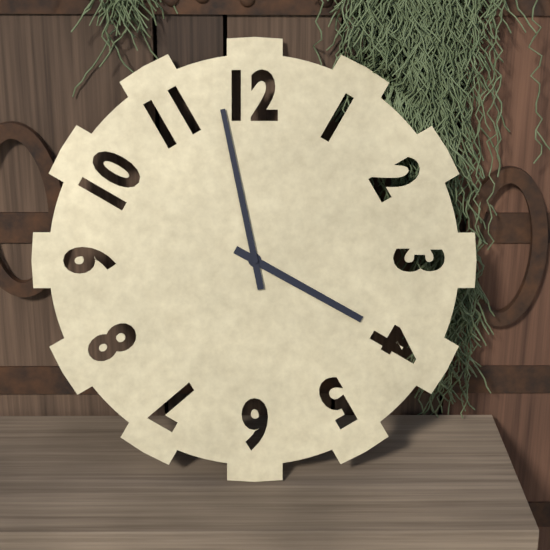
3:58
